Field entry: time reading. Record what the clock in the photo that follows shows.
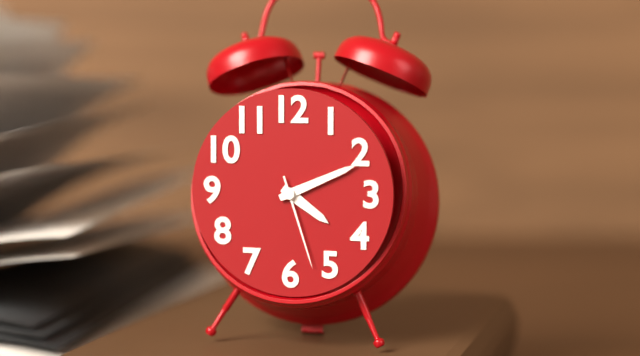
4:11:27
